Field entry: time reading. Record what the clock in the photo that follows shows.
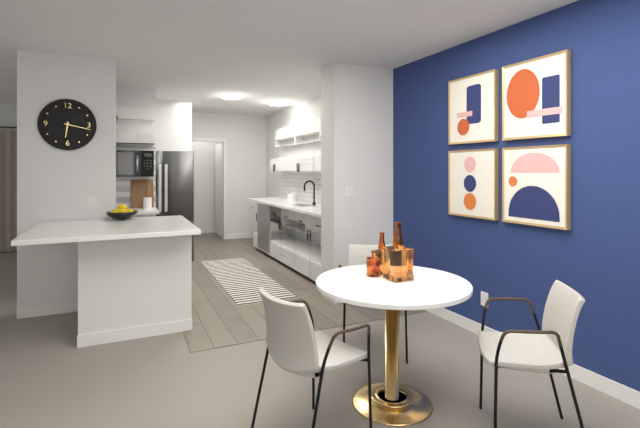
6:17
